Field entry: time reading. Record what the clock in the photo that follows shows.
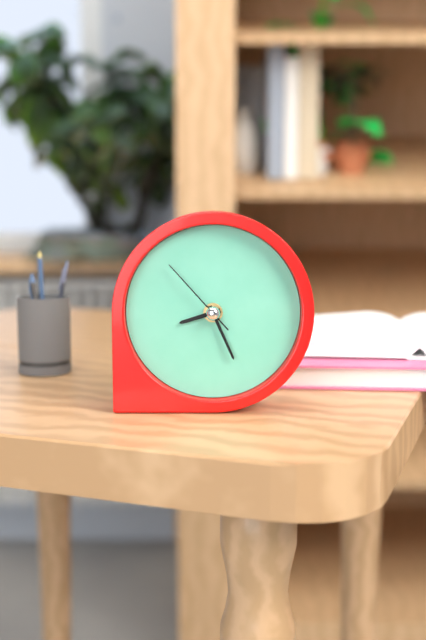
8:26:53
